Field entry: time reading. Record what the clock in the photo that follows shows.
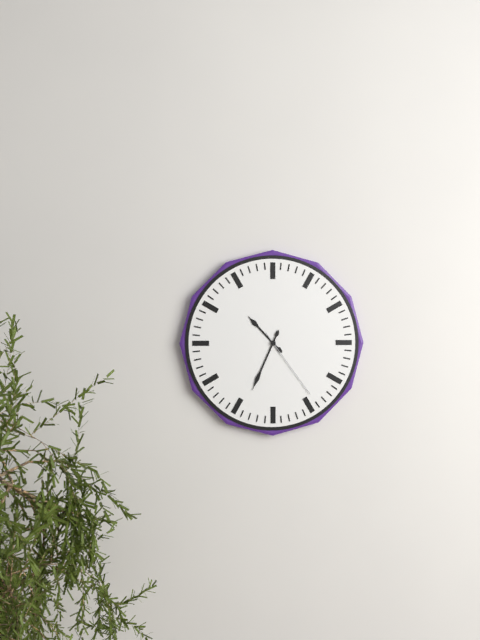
10:34:24
